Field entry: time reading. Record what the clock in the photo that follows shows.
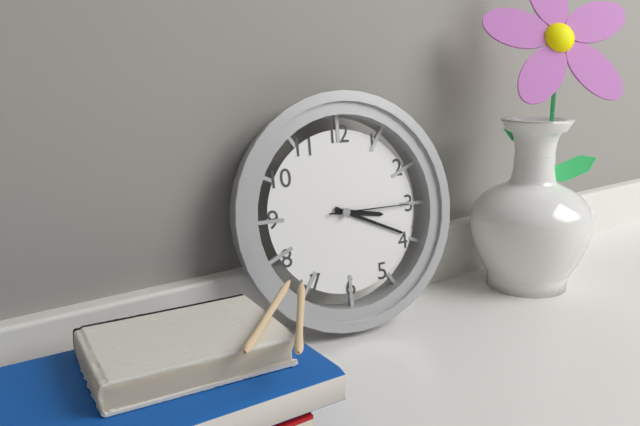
3:19:15
